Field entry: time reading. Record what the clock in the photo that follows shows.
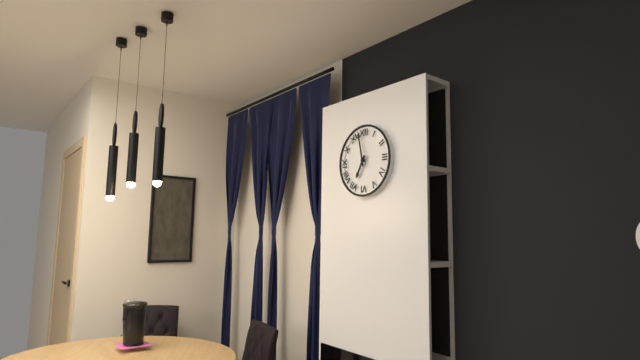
6:58
